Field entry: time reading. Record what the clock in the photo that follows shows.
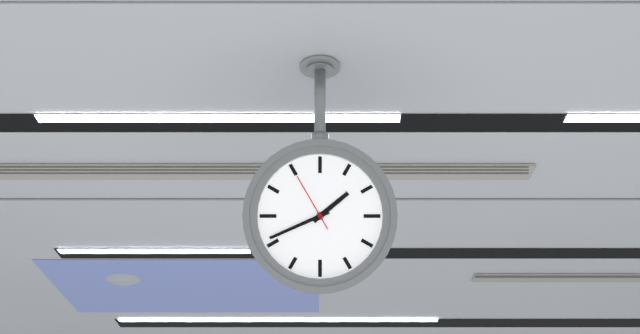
1:41:55
